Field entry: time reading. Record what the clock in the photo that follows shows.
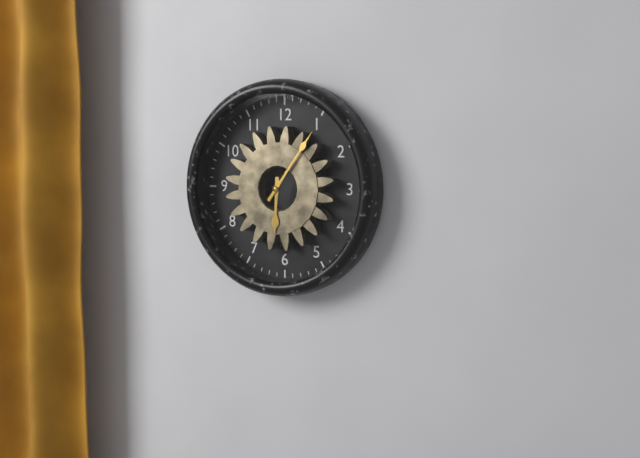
6:06
